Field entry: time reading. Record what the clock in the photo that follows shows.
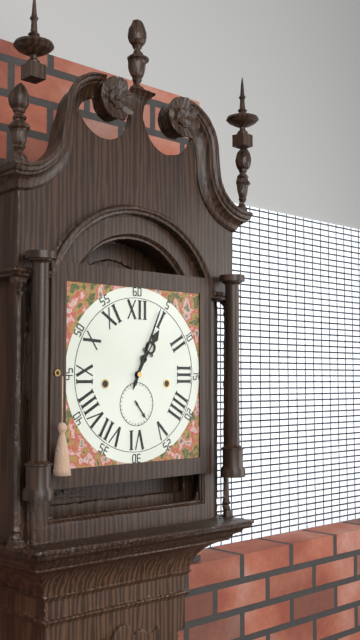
1:04
